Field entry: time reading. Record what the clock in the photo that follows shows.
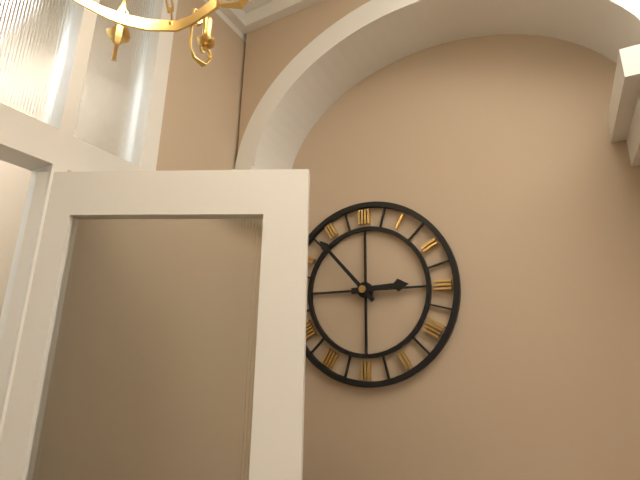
2:53
